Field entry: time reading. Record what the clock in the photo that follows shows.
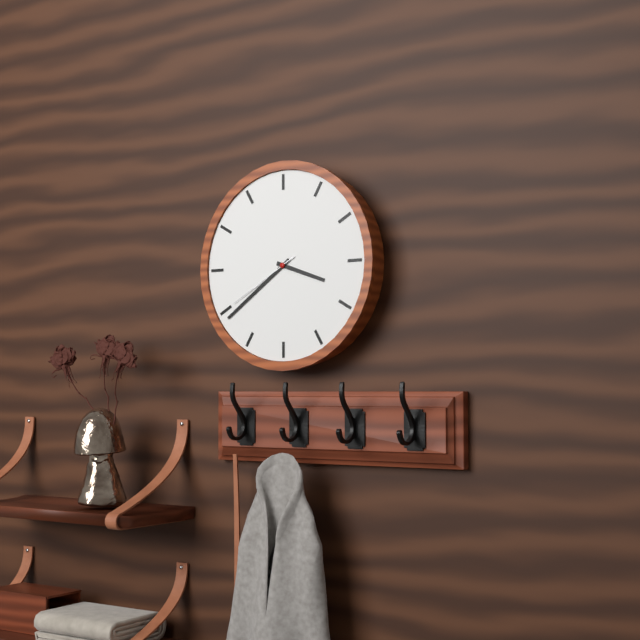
3:39:40
